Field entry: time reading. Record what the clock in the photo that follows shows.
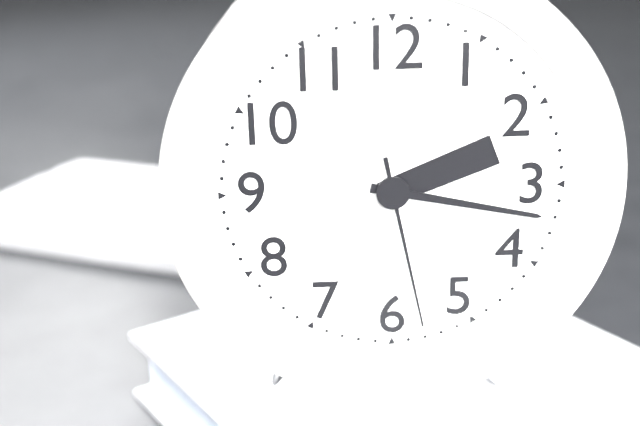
2:17:28
